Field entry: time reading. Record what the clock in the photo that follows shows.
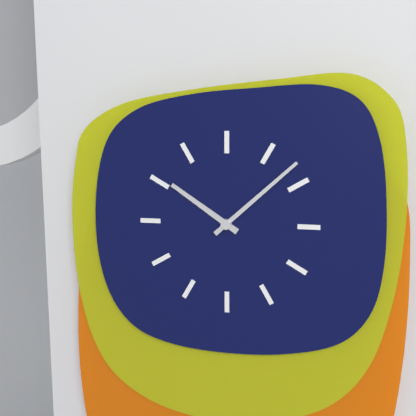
10:08
